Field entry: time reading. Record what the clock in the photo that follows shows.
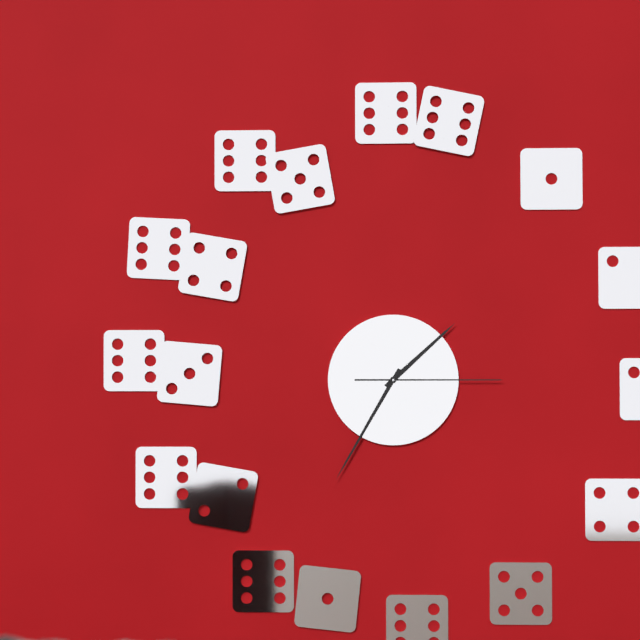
1:35:15
